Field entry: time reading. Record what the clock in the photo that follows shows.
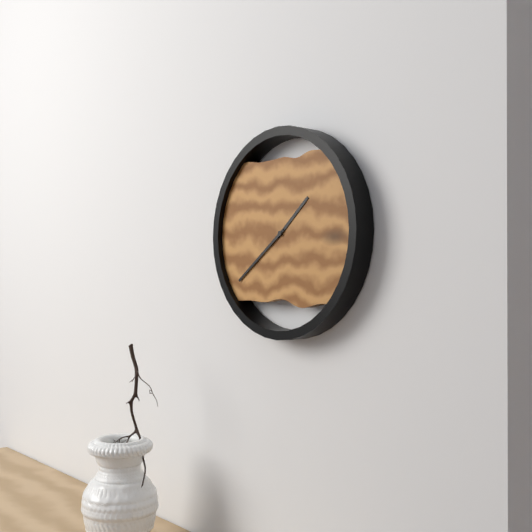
1:39
